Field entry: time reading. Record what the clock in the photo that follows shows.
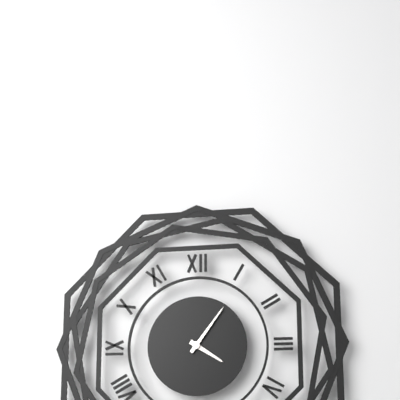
4:06
